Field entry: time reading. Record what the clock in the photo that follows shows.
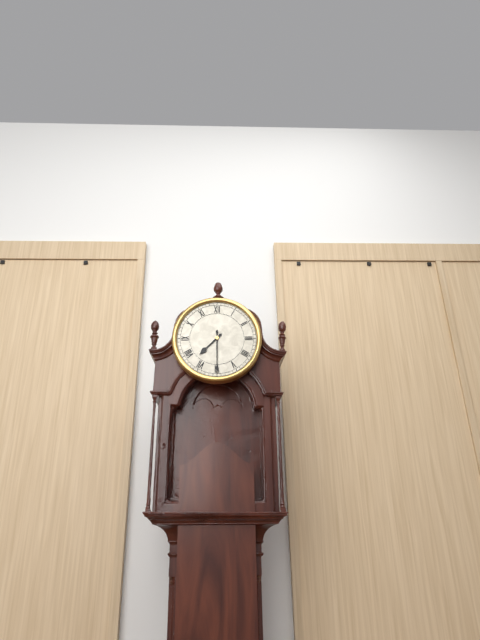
7:30
